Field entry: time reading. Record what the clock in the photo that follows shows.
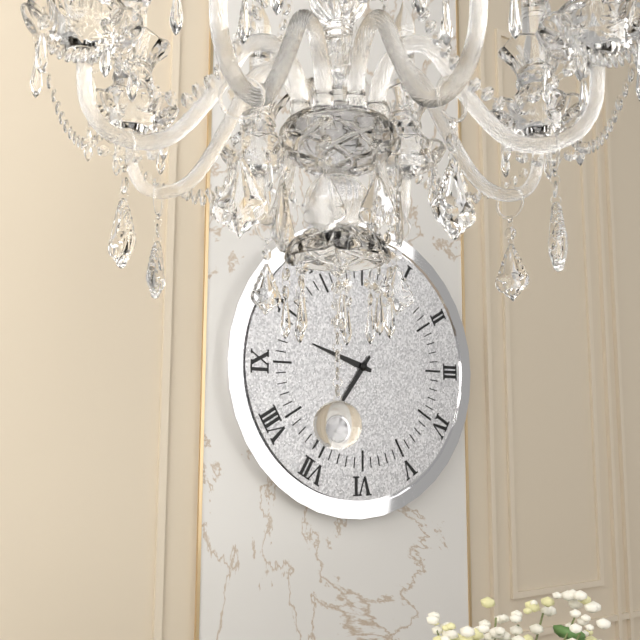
9:36
